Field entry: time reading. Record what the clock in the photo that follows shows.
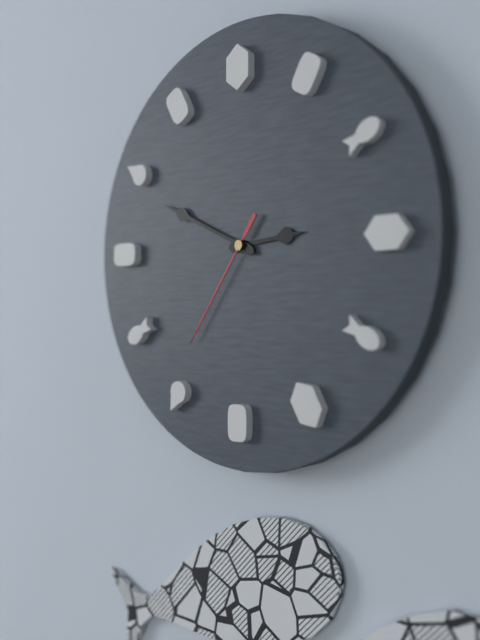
2:49:36
